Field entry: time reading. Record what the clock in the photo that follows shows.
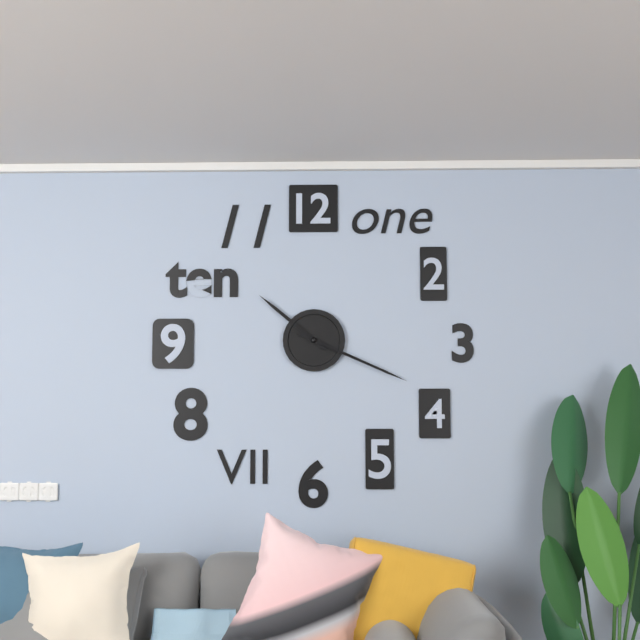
10:19
